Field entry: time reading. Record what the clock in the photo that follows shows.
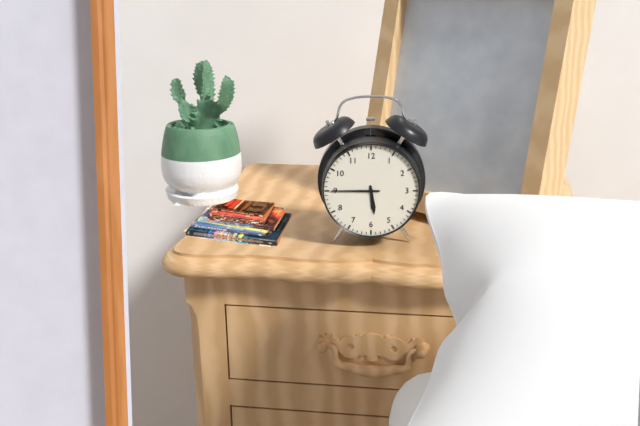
5:45
